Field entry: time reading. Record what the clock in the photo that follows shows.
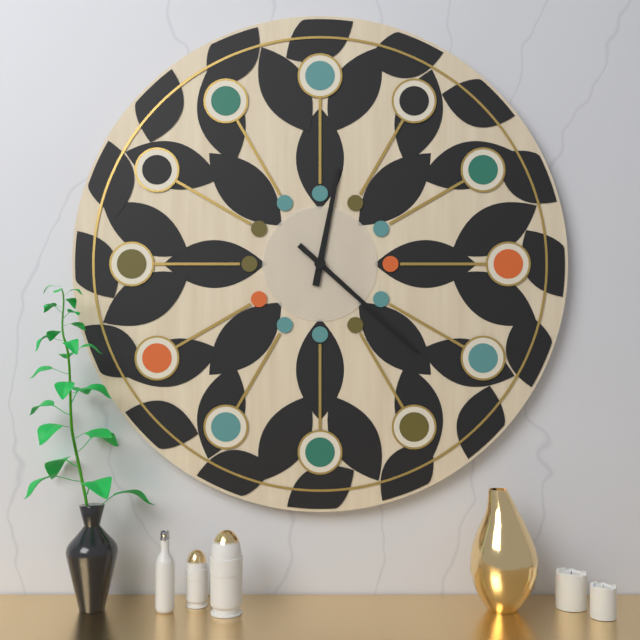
12:22
